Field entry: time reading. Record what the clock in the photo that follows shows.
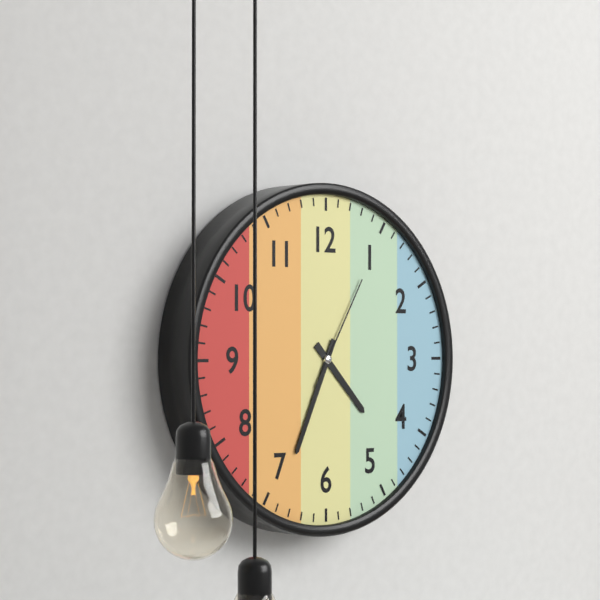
4:34:05
